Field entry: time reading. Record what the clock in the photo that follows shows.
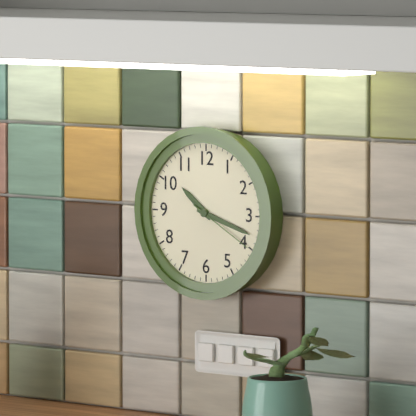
10:18:20
